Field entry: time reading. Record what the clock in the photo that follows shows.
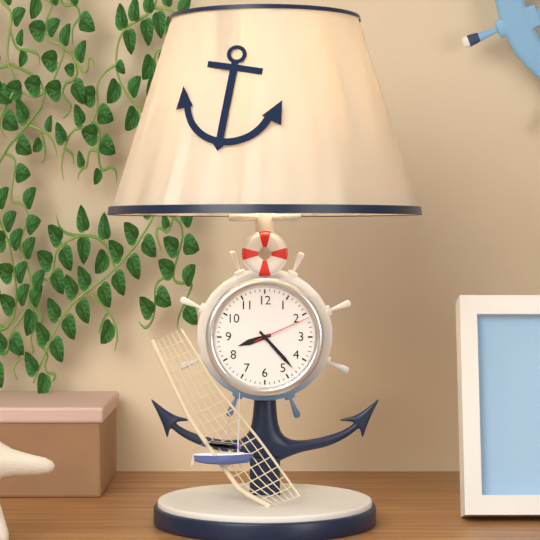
8:23:11
